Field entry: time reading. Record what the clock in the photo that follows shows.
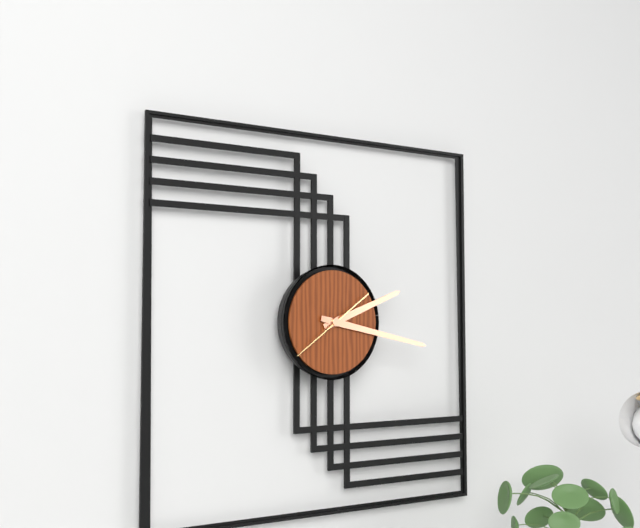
2:17:39
